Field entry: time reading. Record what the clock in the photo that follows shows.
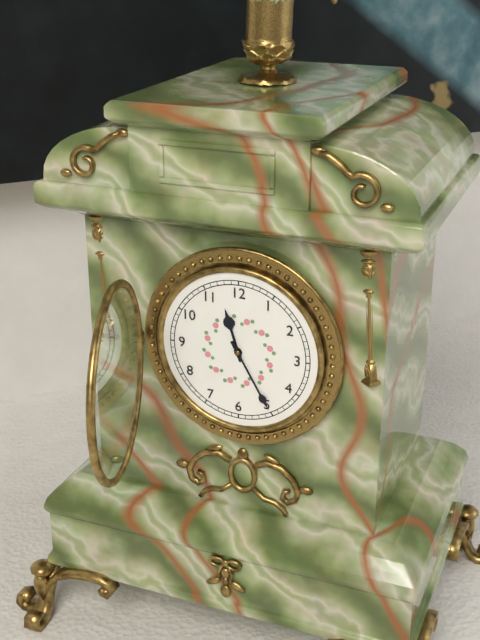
11:25
